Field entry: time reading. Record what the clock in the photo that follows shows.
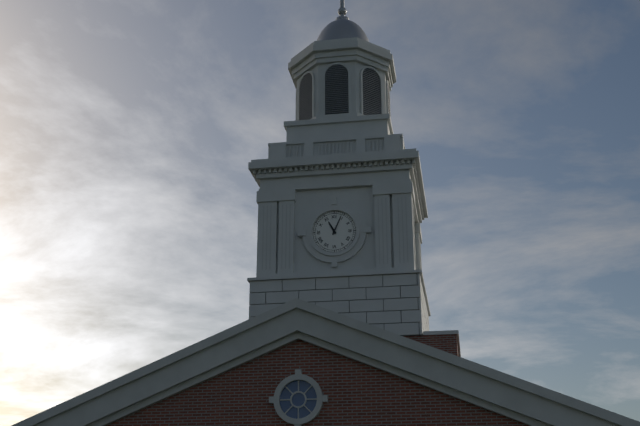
11:04
